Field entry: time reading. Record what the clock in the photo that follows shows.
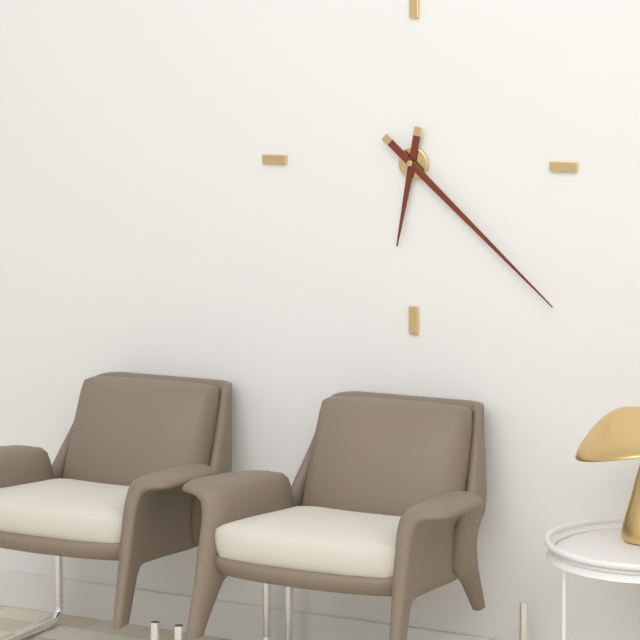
6:22
